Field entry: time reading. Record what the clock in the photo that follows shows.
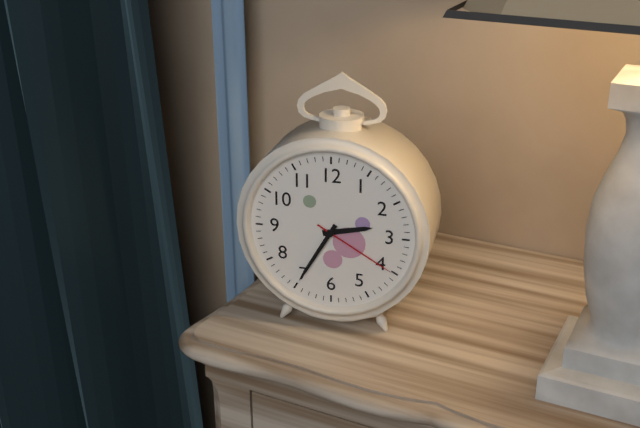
2:35:20
